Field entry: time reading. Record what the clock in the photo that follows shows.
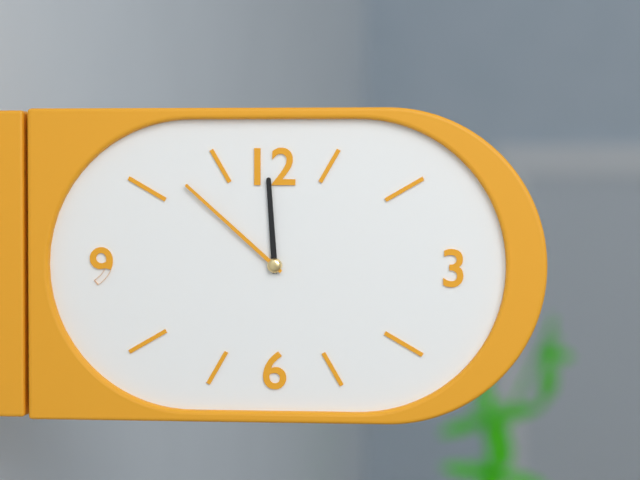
11:52
